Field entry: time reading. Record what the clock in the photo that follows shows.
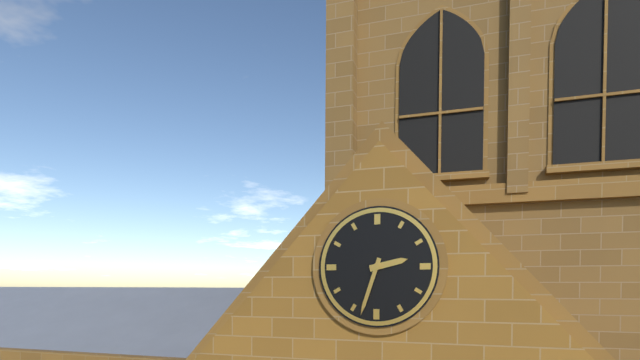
2:33
